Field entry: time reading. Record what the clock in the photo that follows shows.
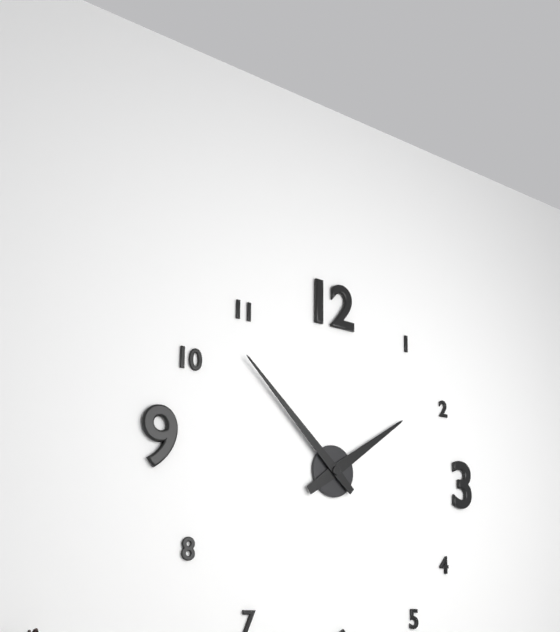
1:52
